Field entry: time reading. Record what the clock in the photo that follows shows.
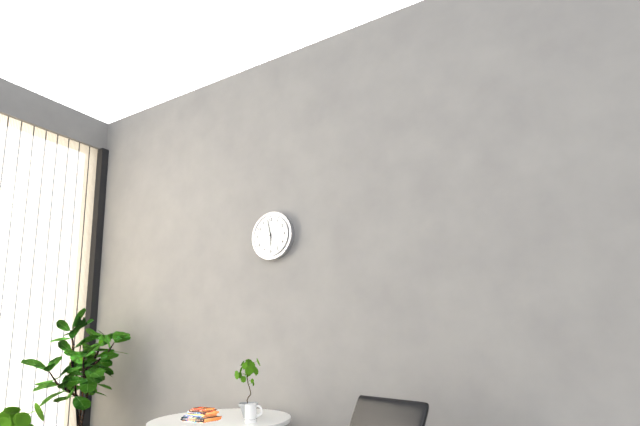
5:58
